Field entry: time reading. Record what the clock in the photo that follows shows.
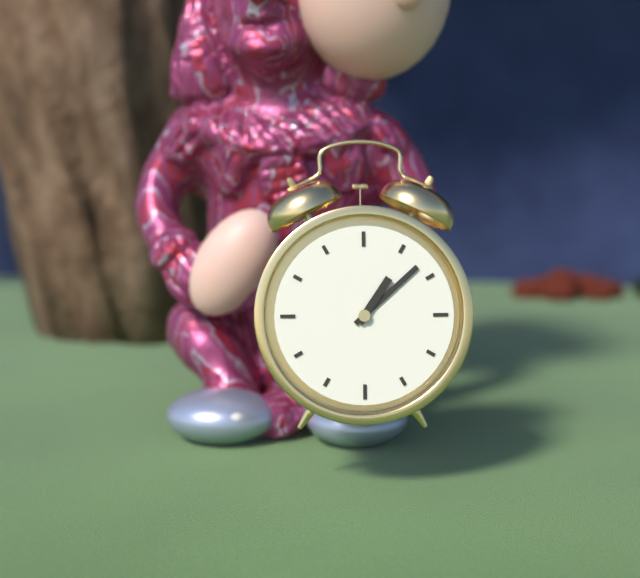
1:08
